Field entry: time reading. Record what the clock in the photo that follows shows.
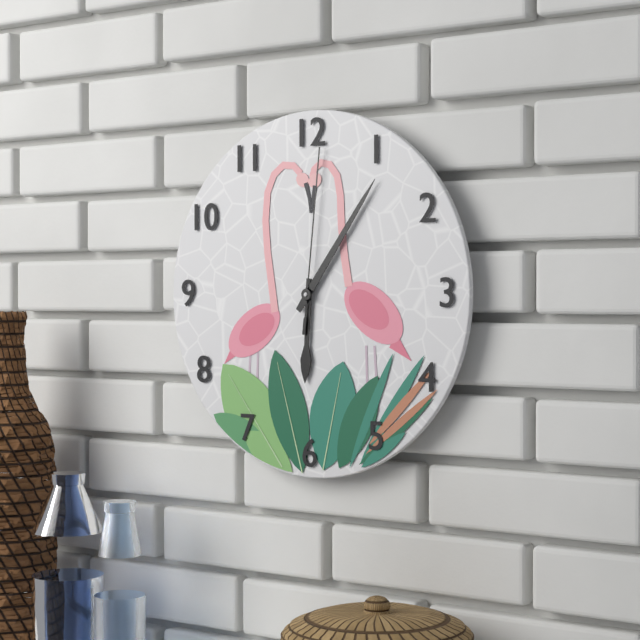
6:06:01
